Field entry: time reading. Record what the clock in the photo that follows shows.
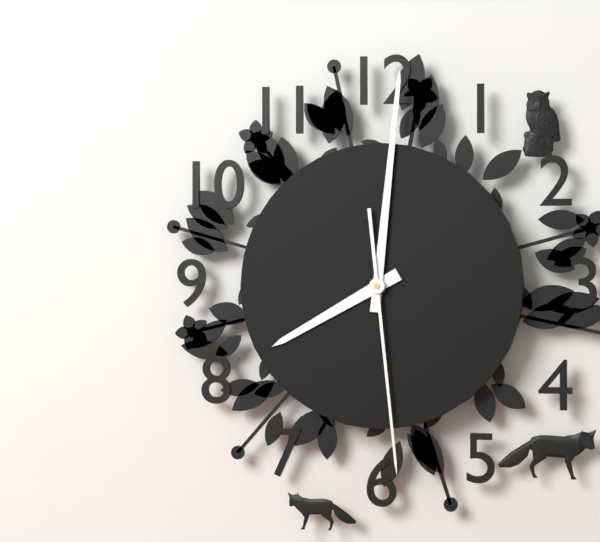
8:01:29
